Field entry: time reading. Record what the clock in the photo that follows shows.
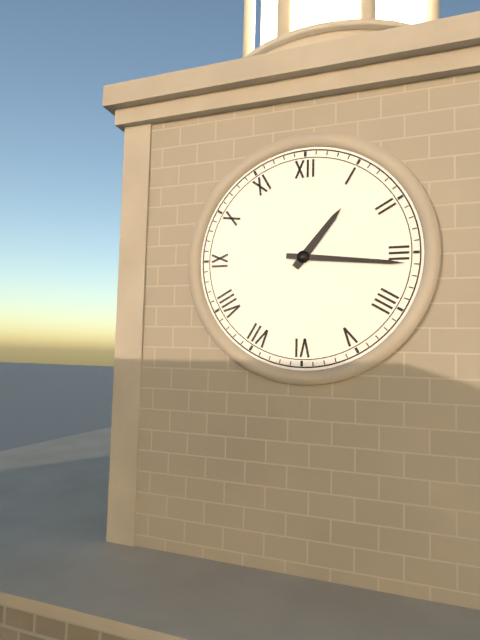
1:16
